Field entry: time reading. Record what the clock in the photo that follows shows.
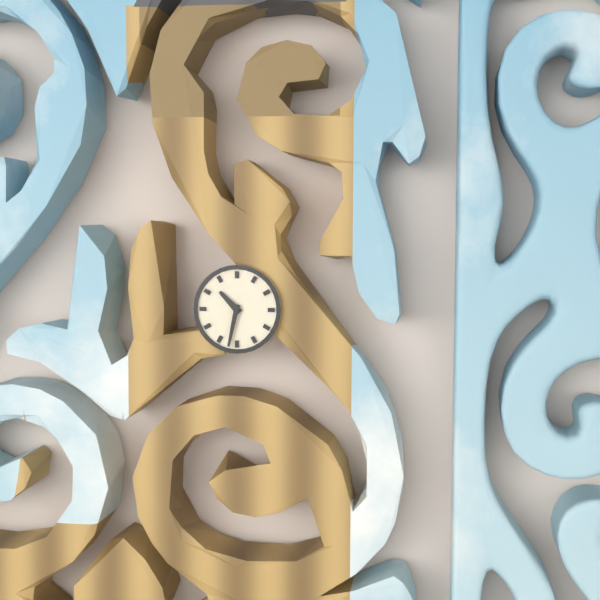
10:32
